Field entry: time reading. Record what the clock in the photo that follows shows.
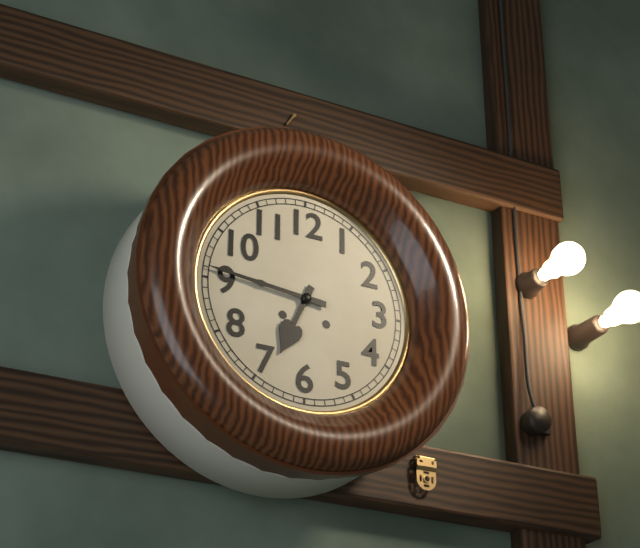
6:46
